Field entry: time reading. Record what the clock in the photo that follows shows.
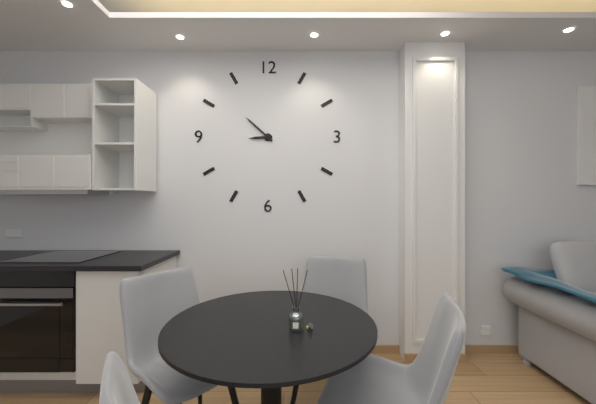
8:52
